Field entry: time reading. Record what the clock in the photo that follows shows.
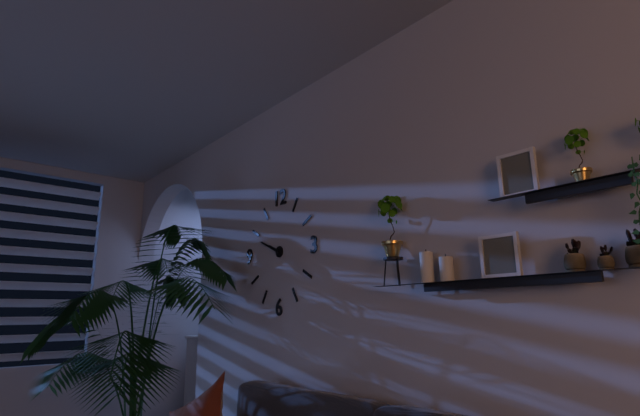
9:49
